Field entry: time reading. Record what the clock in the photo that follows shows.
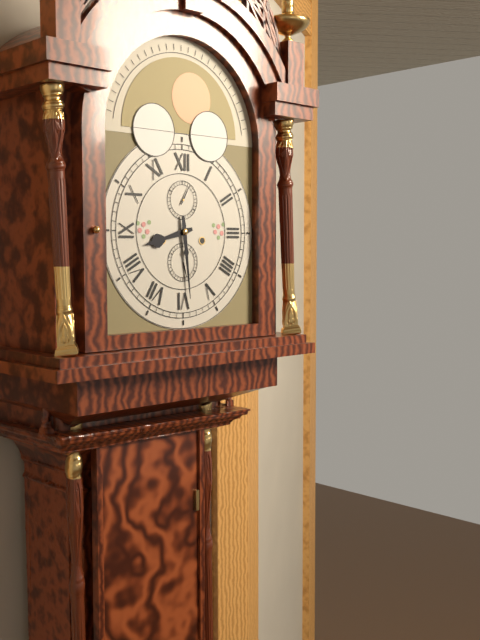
8:29
